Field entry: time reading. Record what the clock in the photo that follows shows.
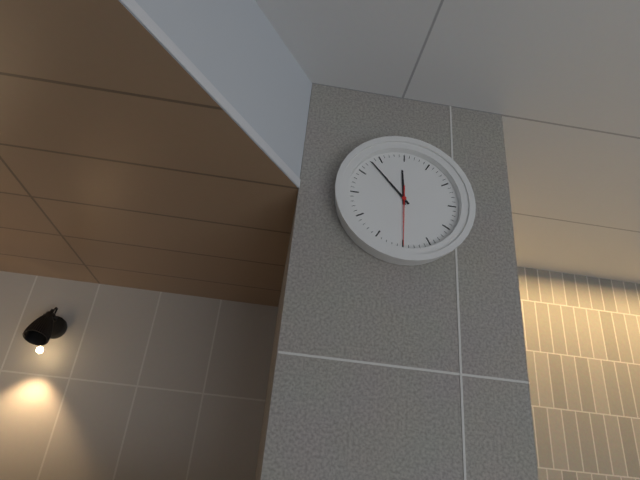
11:53:30
